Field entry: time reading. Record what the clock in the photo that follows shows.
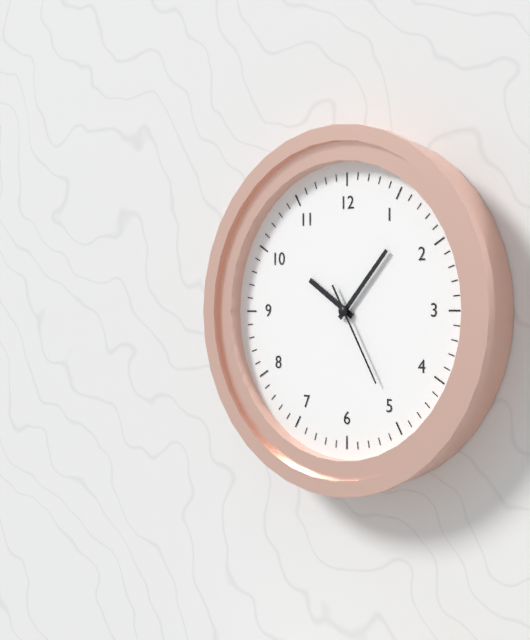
10:07:25
